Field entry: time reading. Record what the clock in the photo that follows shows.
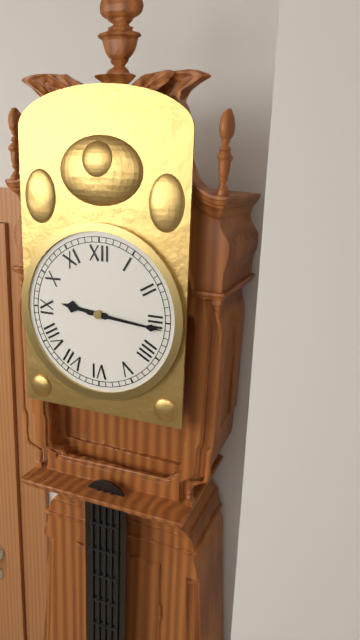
9:16
